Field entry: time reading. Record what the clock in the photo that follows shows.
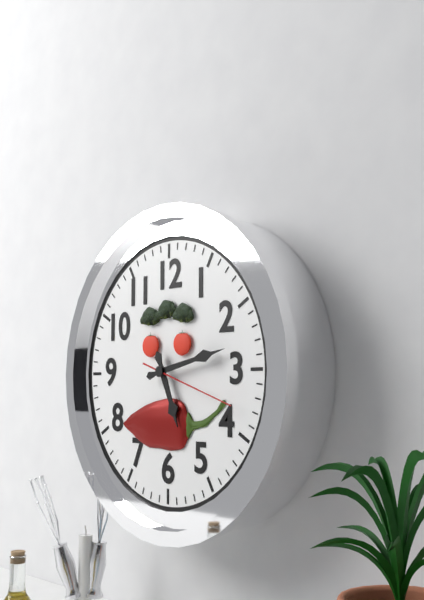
5:13:18
